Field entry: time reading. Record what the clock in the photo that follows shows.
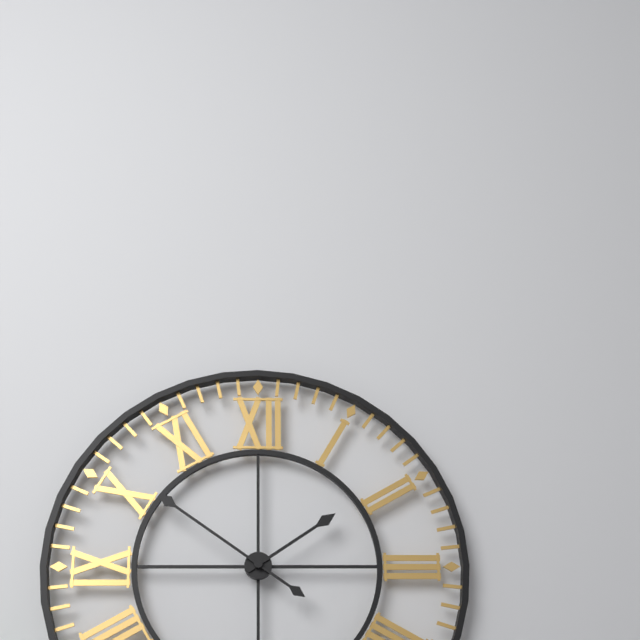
1:51
